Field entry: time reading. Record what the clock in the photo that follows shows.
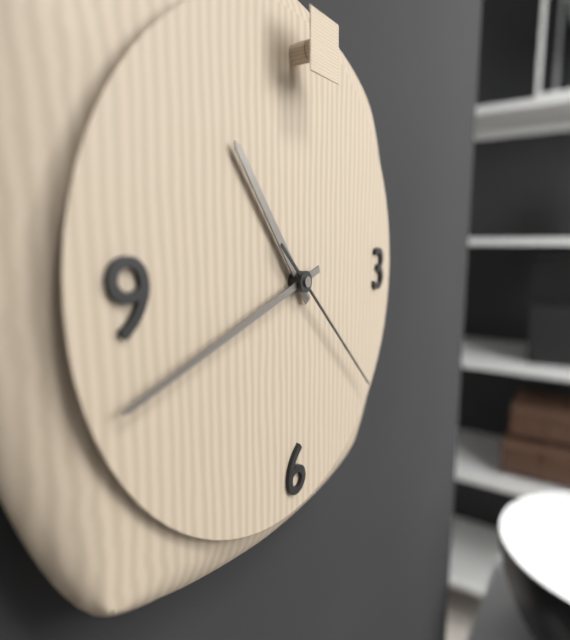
10:42:22
